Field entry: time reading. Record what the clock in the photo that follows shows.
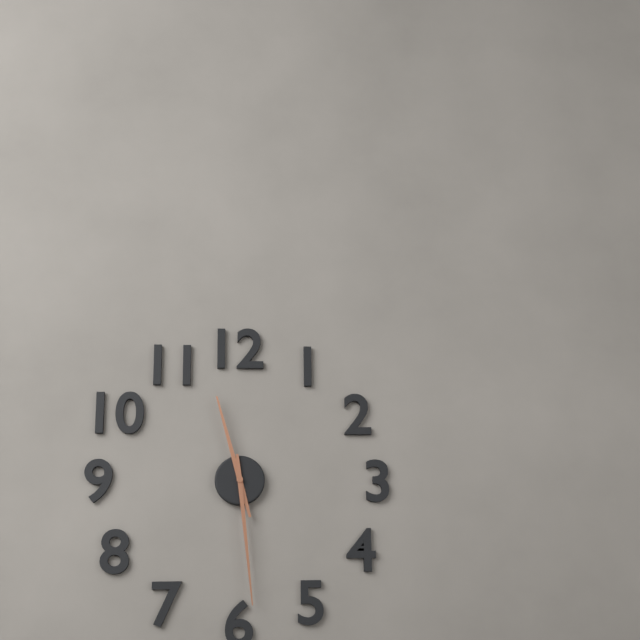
11:29
